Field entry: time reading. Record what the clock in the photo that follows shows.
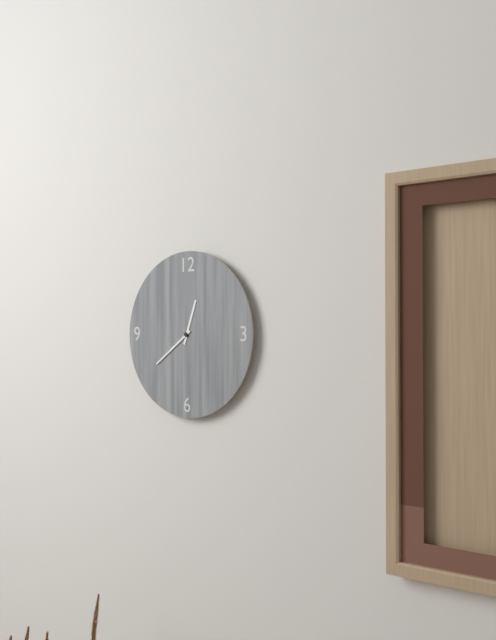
12:39
